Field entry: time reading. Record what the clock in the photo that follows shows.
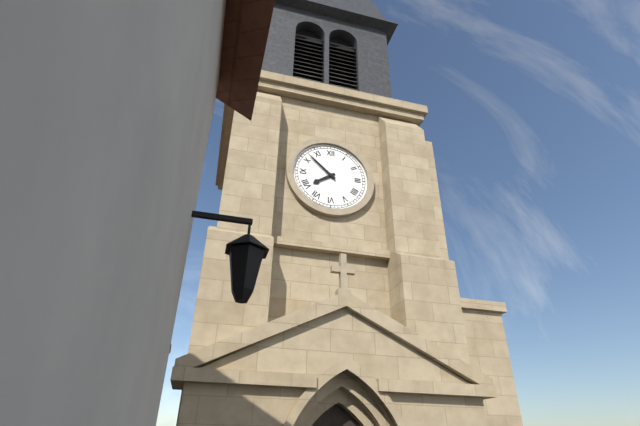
7:52
